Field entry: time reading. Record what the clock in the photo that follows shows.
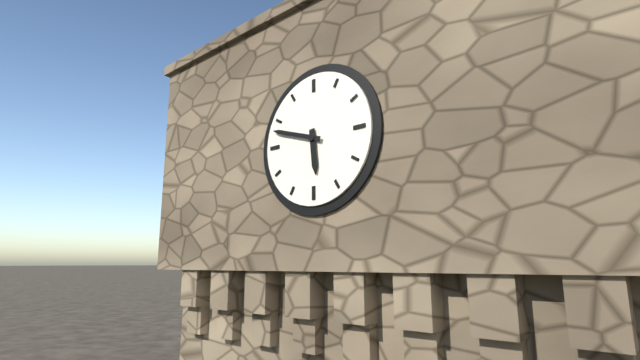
5:48
